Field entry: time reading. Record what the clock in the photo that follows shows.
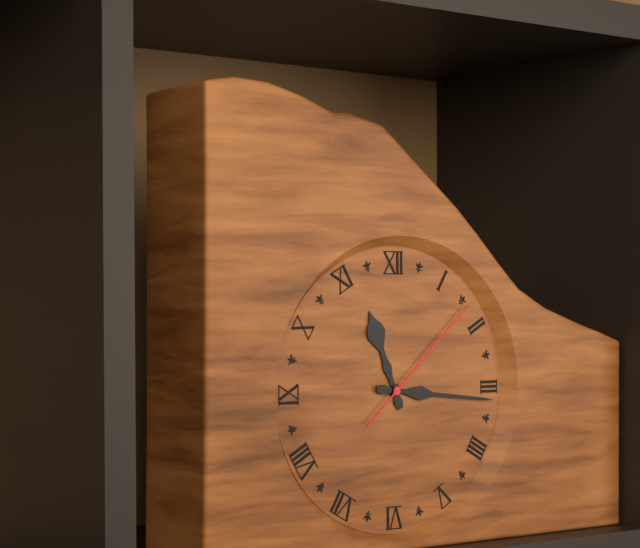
11:16:08
